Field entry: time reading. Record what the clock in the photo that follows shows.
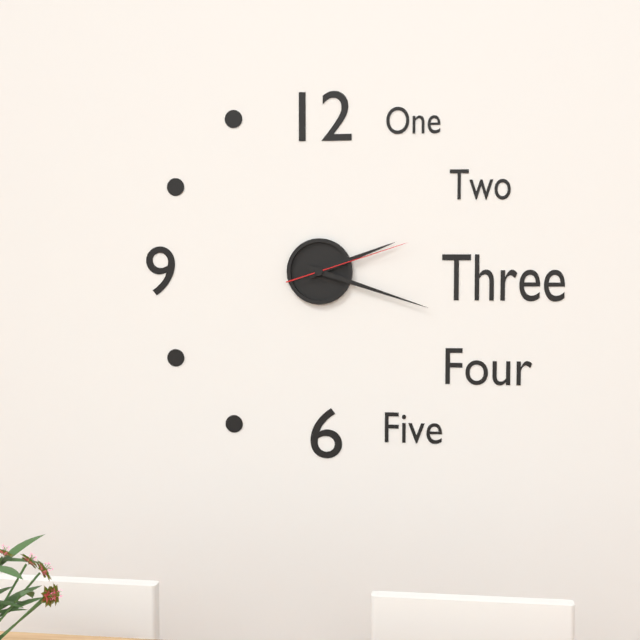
2:18:12
